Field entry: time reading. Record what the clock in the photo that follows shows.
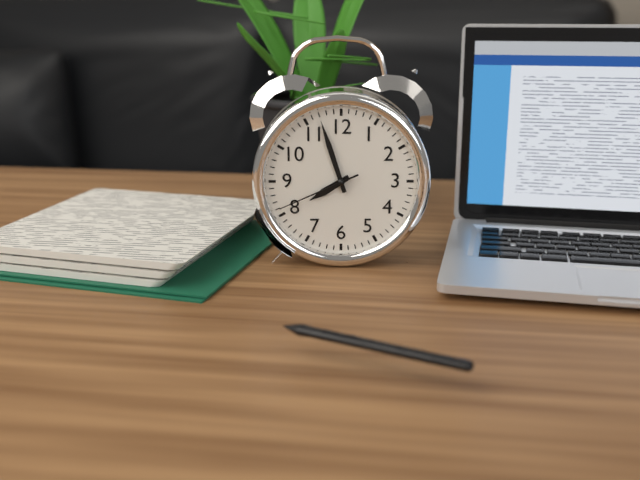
7:57:41
